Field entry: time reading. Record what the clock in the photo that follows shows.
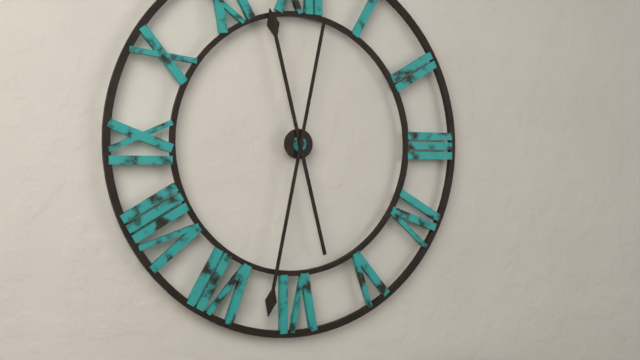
11:32
